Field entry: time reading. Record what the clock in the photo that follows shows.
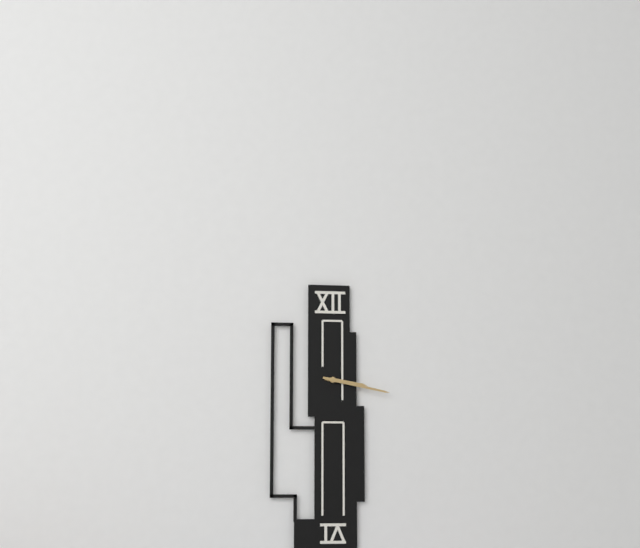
3:17
